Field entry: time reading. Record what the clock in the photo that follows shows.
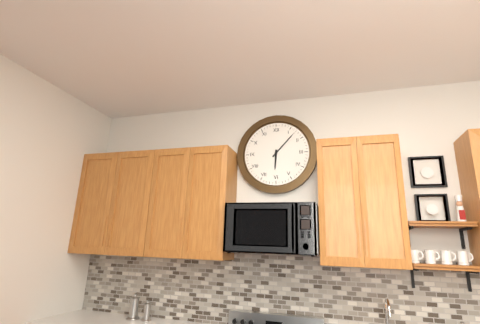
6:07
